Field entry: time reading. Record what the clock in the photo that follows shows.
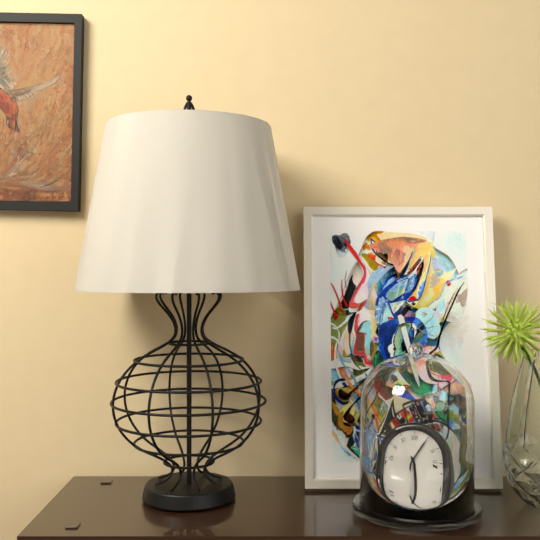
5:05
